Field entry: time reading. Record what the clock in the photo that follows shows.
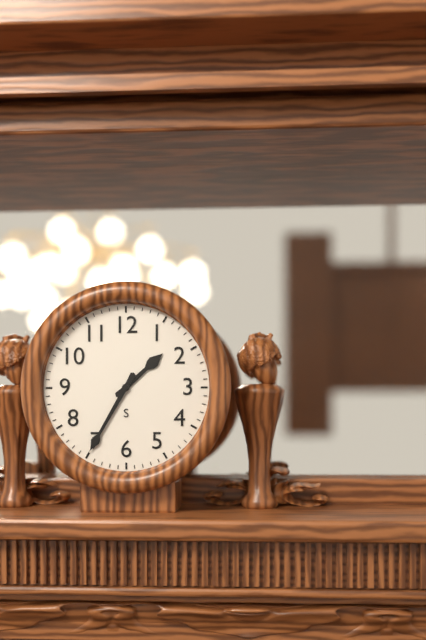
1:35
